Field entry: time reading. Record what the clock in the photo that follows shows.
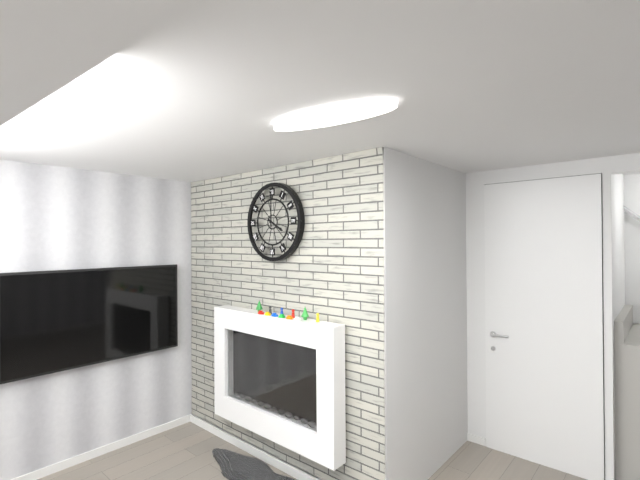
4:00
